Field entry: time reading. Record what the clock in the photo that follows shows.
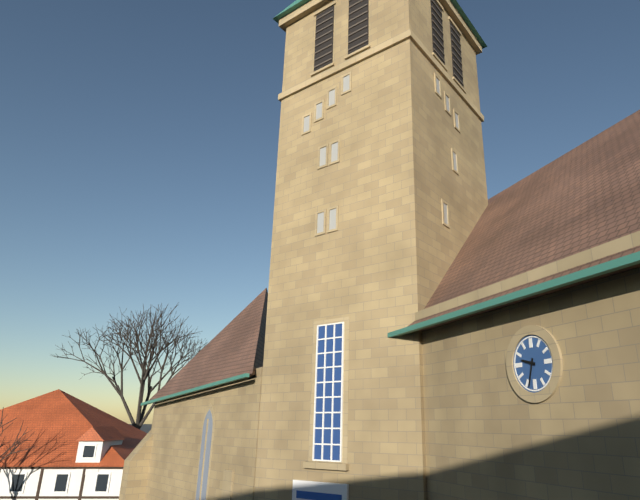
9:33
